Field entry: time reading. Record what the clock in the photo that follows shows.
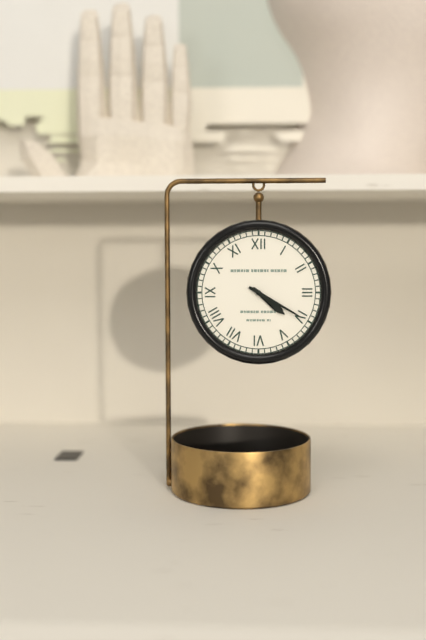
4:20
